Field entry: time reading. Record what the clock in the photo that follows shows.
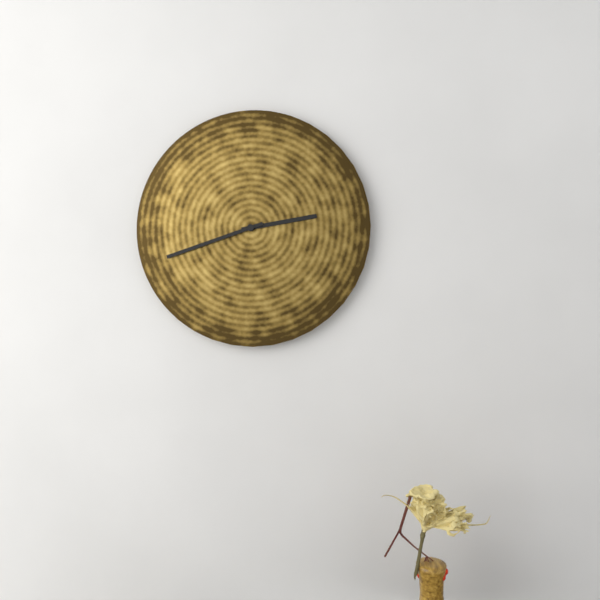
2:42
